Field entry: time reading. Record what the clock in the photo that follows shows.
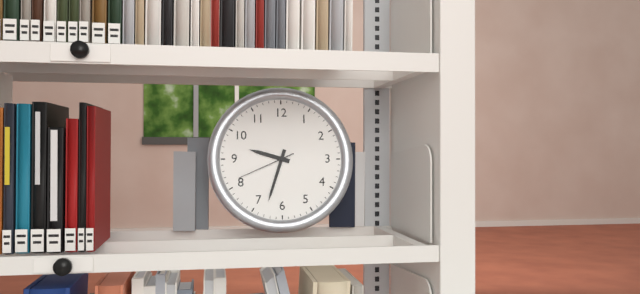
9:33:41
